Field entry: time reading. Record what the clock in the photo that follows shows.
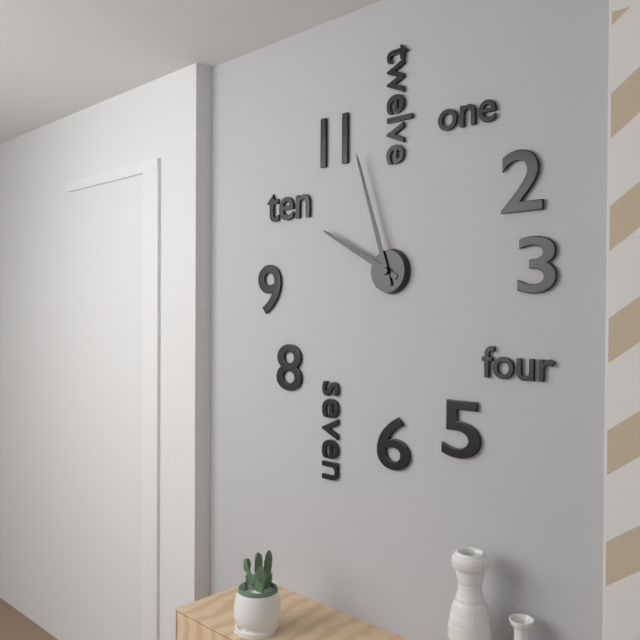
9:57
